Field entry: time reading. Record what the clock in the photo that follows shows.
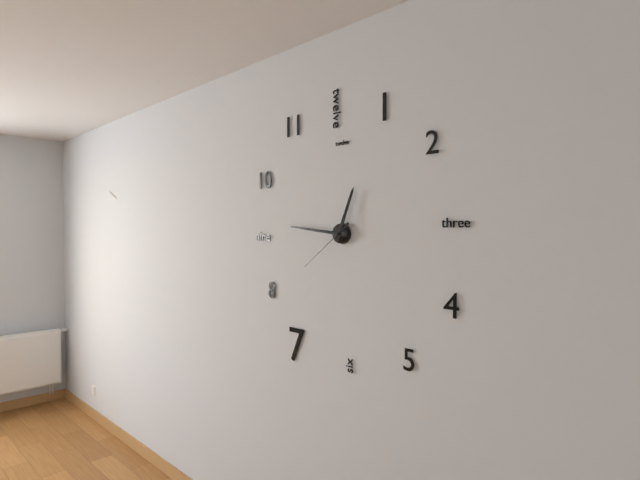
12:46:39
